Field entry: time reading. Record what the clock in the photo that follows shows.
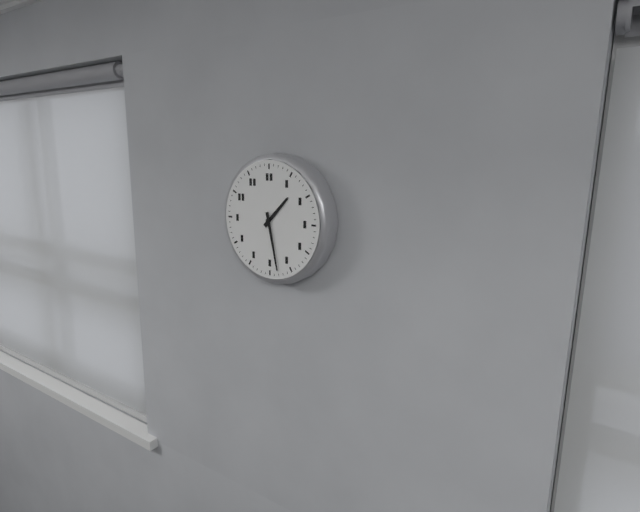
1:28
